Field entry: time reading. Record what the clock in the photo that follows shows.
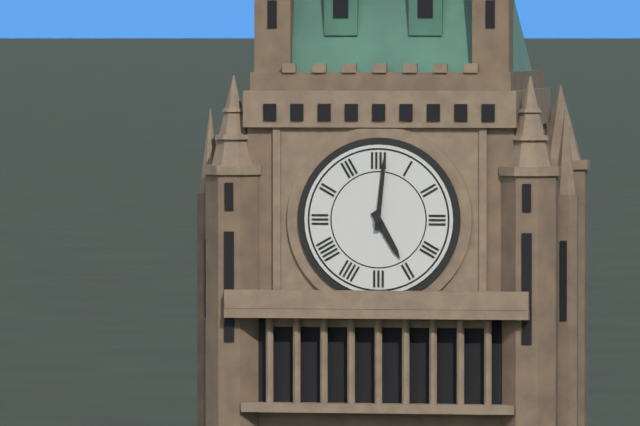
5:01
